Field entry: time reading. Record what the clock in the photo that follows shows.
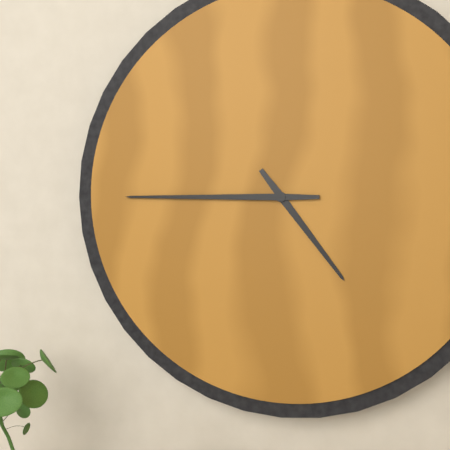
4:45
